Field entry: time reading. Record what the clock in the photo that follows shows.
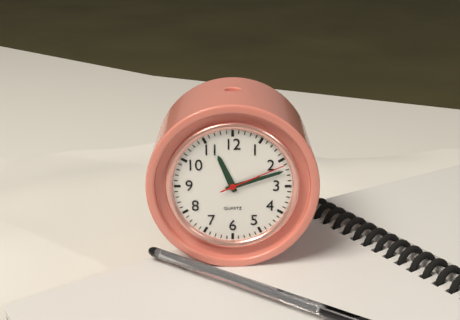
11:12:11
